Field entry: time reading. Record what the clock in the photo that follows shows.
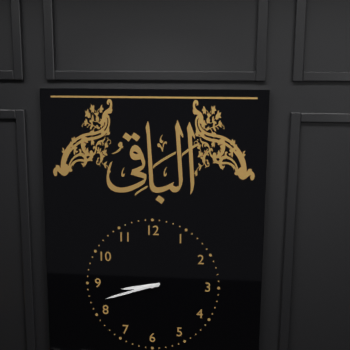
8:42
